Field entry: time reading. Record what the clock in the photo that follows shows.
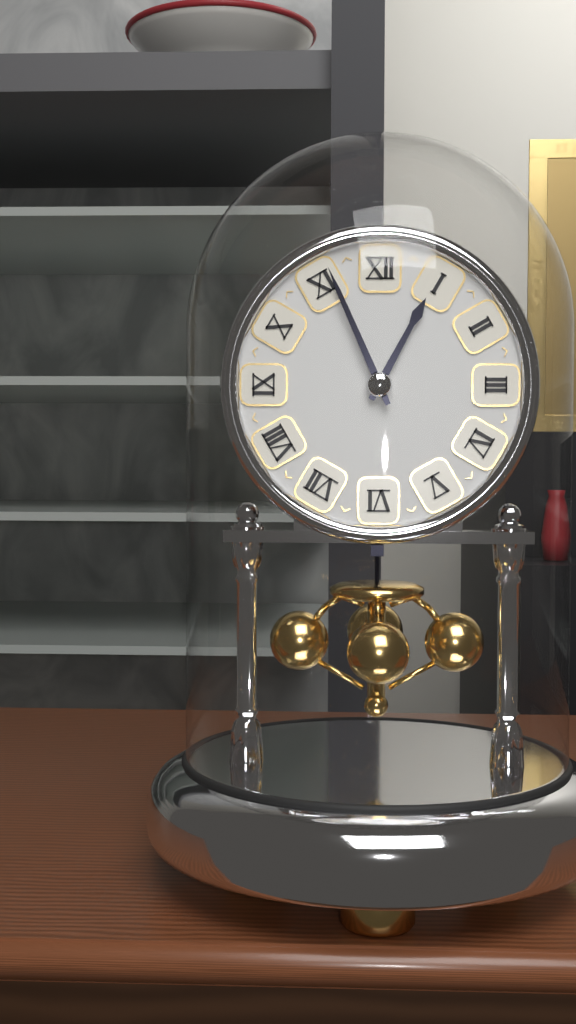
12:56
